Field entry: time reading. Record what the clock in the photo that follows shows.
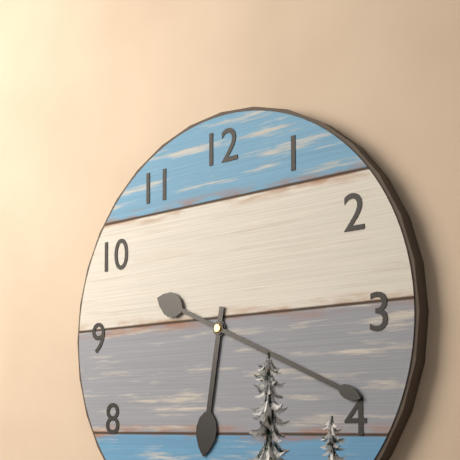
6:19
